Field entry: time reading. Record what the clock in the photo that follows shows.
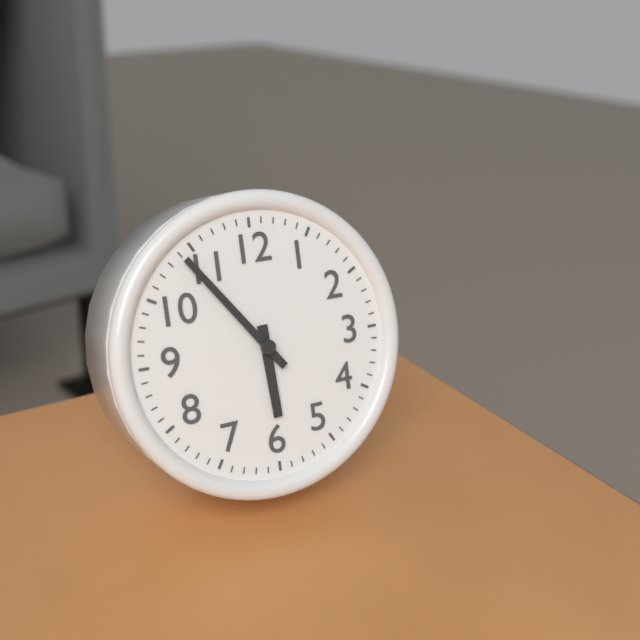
5:54
